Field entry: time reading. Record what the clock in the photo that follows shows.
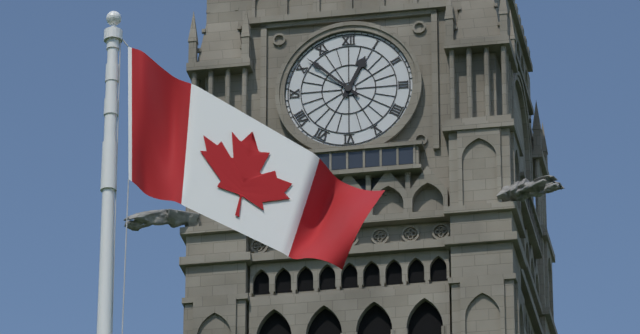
12:52
